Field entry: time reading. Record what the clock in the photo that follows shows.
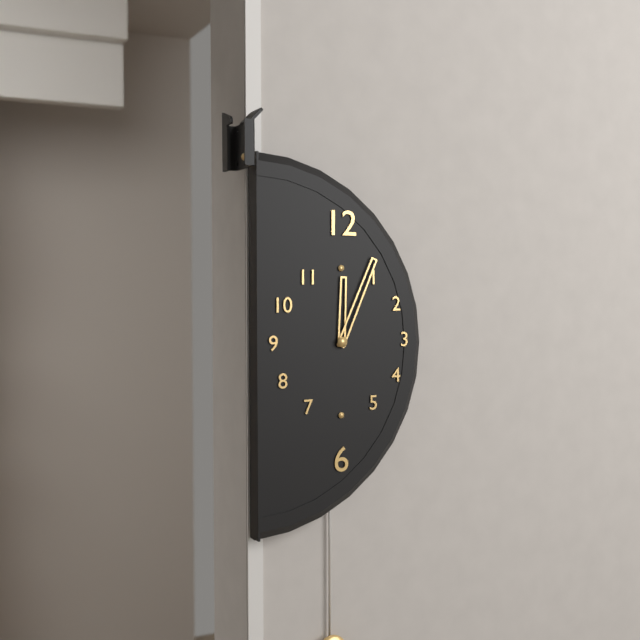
12:04
